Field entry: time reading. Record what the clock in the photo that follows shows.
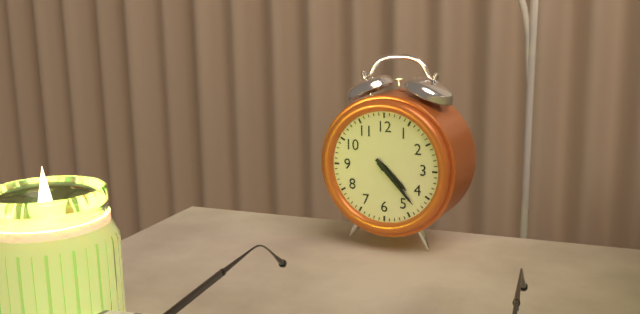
4:23
